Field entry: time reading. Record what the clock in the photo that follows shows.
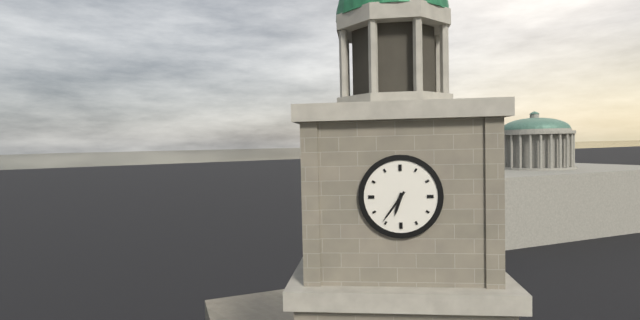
6:36
